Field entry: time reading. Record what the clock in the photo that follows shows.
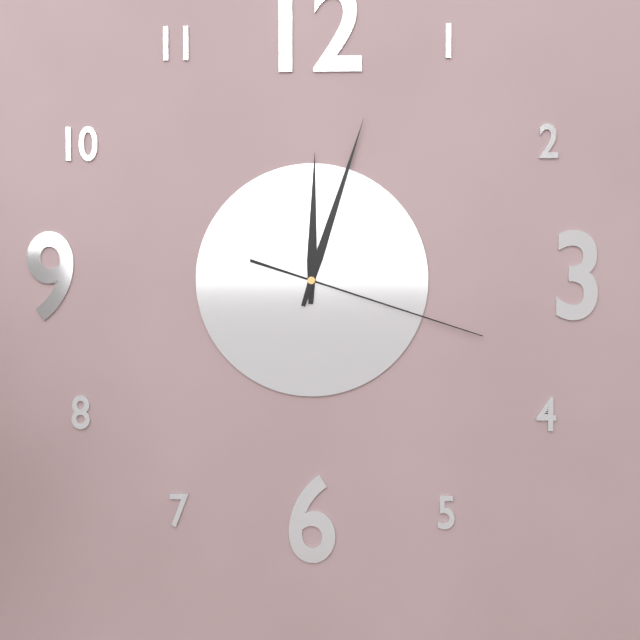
12:03:18
